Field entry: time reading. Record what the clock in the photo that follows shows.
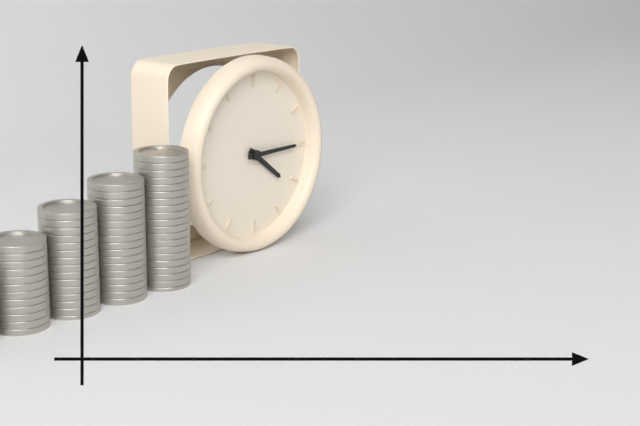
4:15
